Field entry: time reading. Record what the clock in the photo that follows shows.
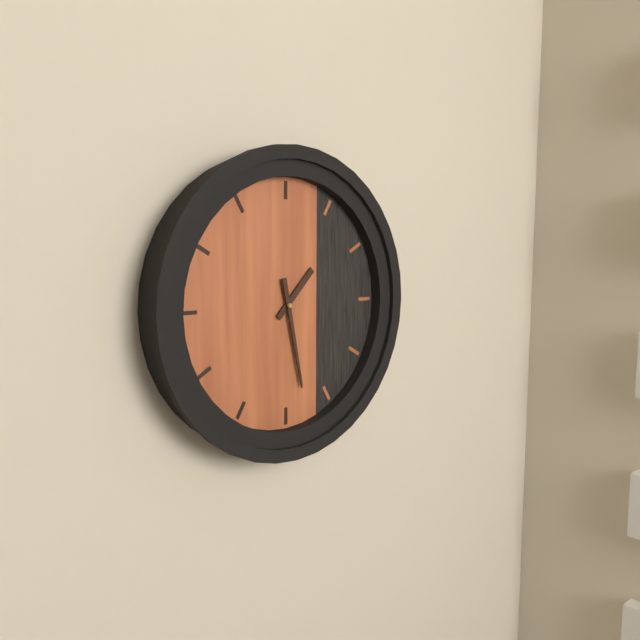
1:28
